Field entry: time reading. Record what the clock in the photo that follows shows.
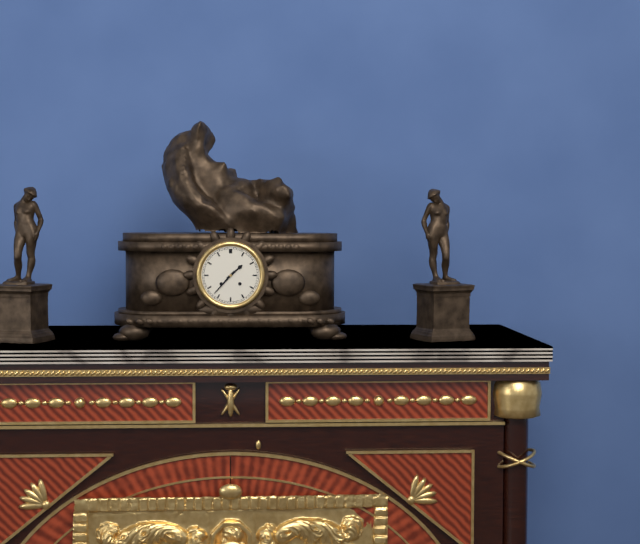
1:37
